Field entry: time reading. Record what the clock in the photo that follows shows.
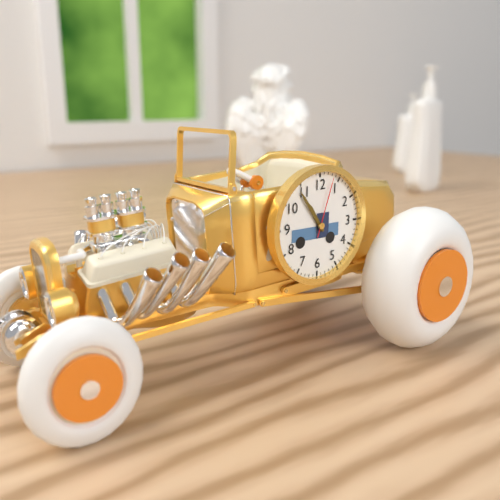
10:54:03
